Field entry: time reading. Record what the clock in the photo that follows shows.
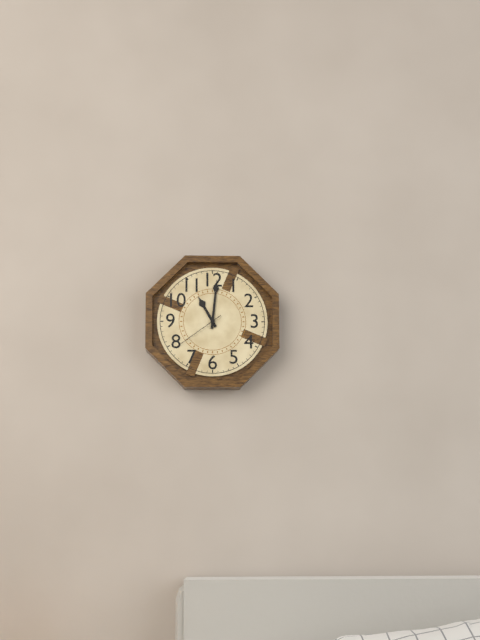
11:01
